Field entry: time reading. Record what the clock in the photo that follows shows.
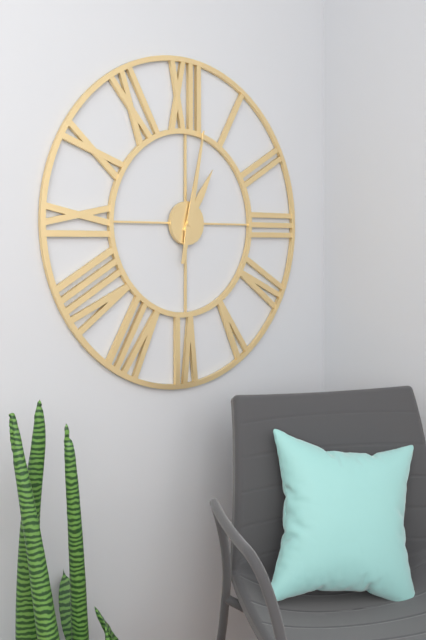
1:02
